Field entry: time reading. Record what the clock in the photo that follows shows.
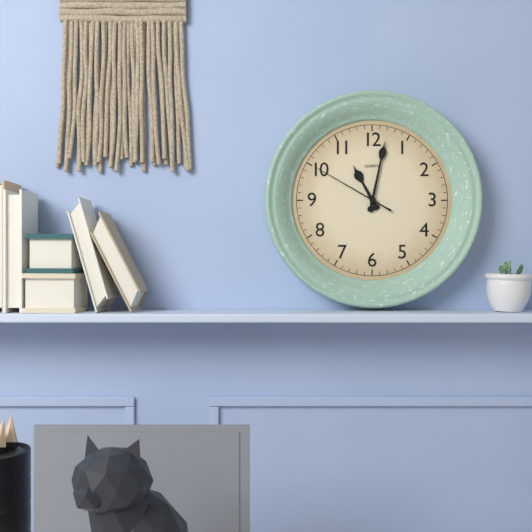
11:02:50
